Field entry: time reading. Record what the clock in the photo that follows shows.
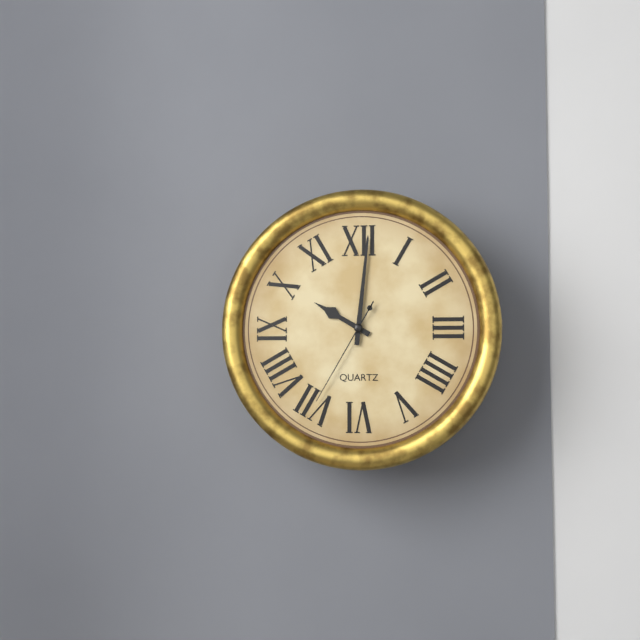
10:01:35
